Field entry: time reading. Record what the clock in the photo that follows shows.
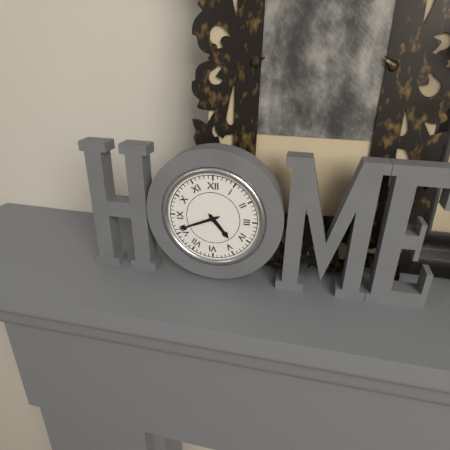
4:41
